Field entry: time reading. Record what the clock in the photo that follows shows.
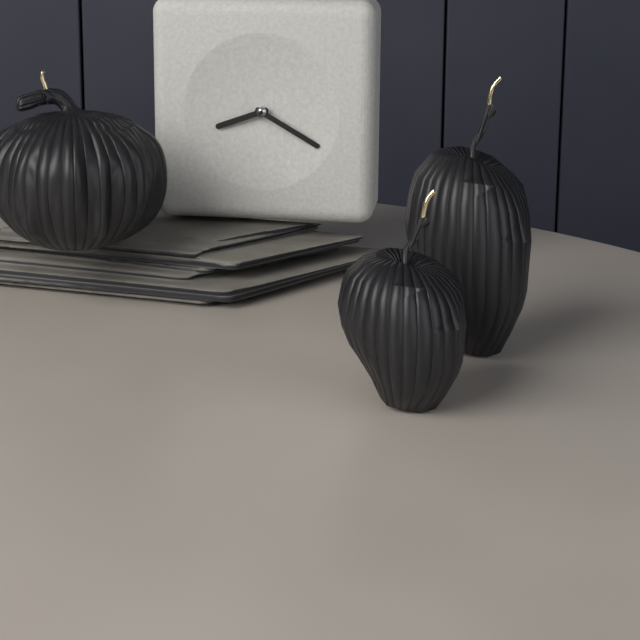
8:20
